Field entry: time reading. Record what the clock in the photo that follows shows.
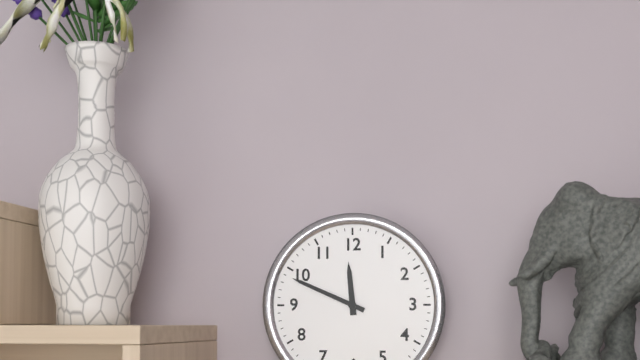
11:49
